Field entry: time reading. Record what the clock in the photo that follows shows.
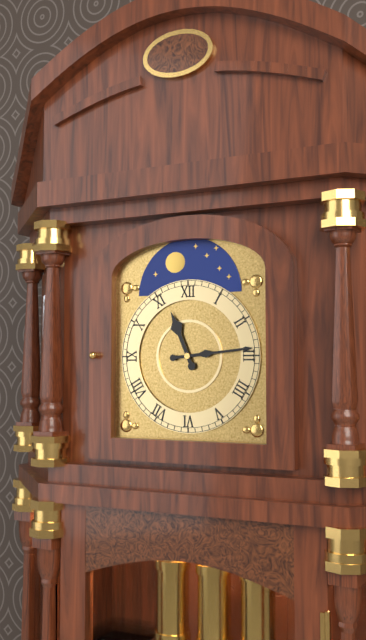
11:14
